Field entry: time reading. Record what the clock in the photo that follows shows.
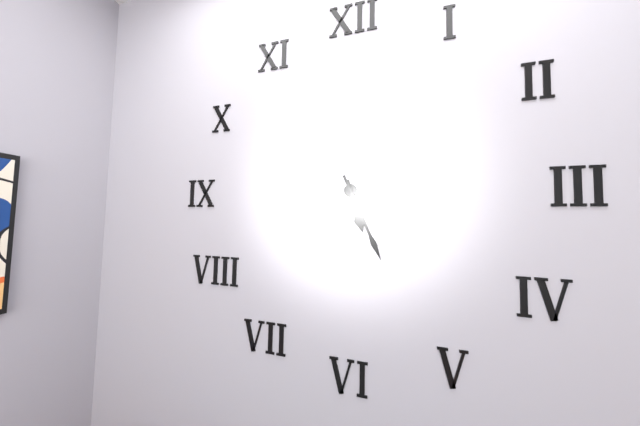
5:26
